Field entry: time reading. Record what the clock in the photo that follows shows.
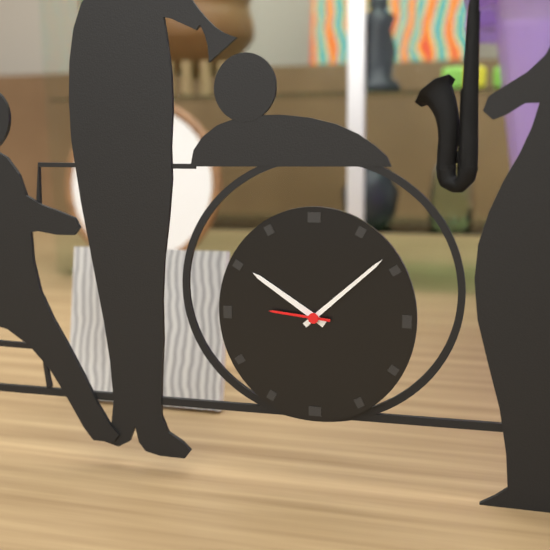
10:08:46
